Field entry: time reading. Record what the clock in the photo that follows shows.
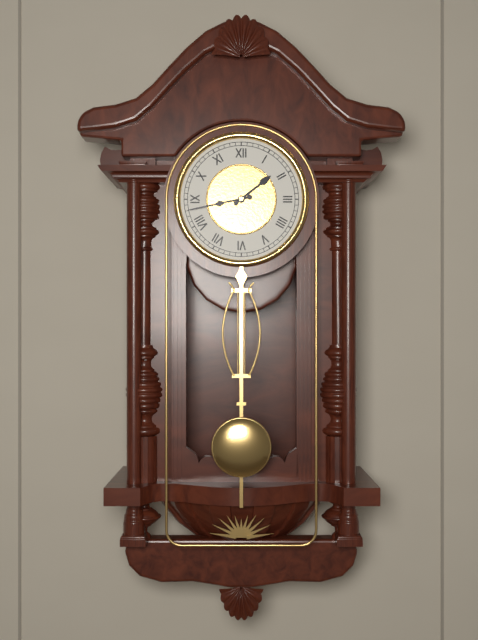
1:43
